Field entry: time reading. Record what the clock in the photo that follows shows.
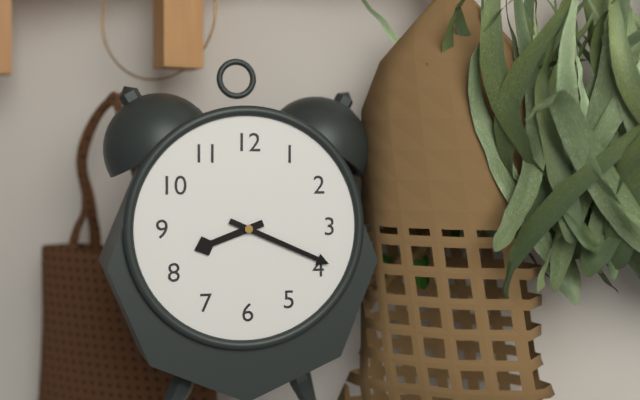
8:19
